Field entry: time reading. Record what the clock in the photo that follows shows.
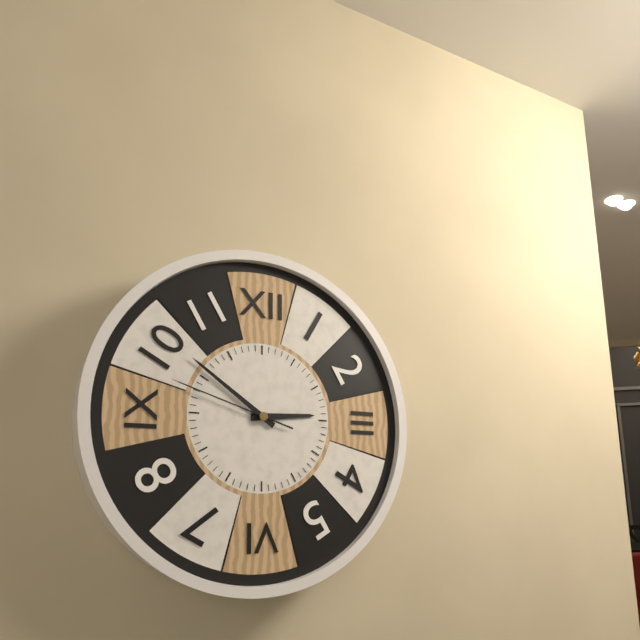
2:51:48
